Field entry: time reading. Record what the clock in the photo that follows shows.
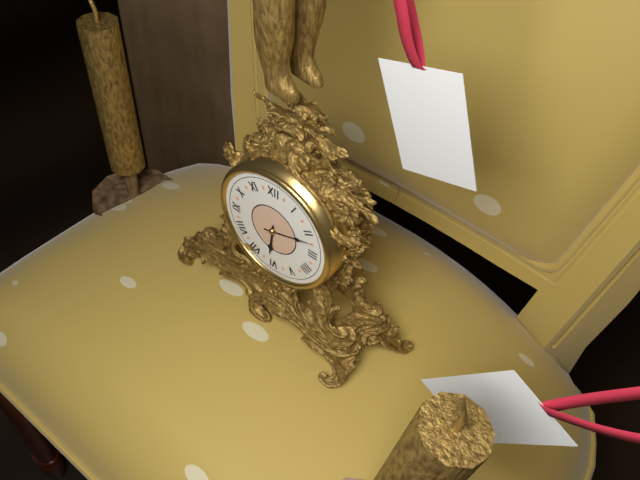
6:12
